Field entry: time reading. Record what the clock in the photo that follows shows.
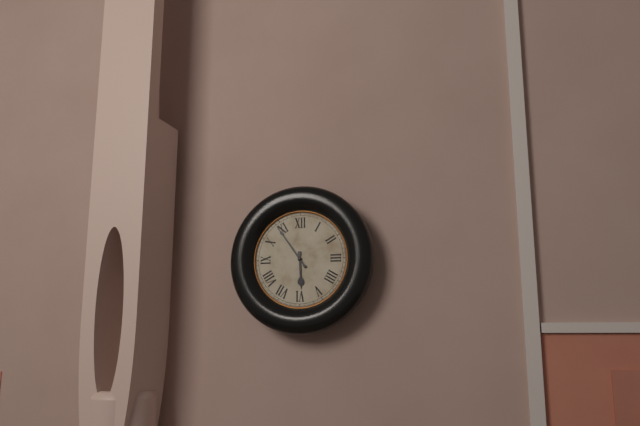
5:54
